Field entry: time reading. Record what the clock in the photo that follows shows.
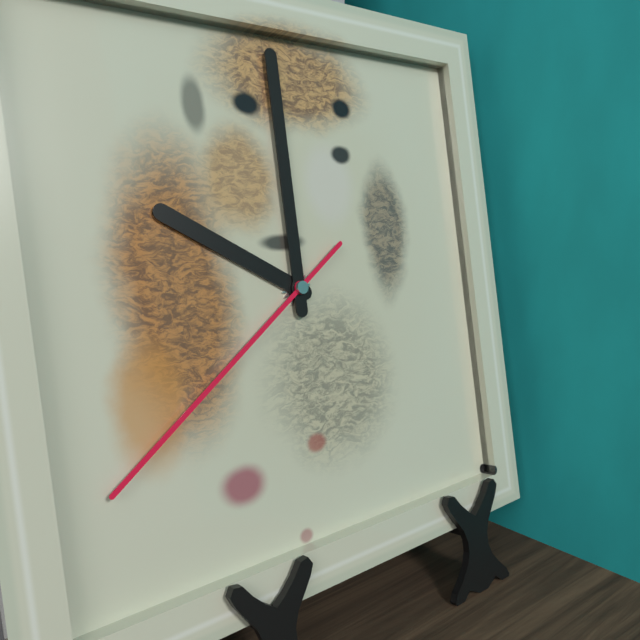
10:00:39
